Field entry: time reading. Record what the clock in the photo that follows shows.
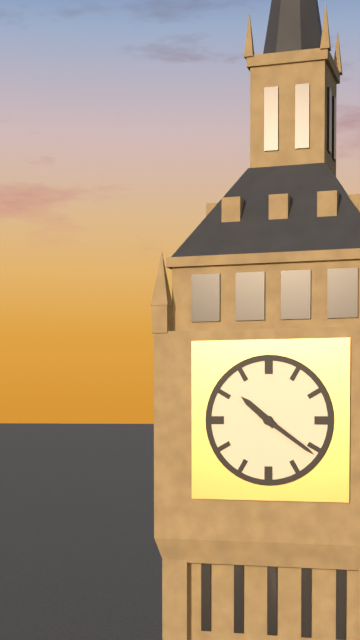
10:21
